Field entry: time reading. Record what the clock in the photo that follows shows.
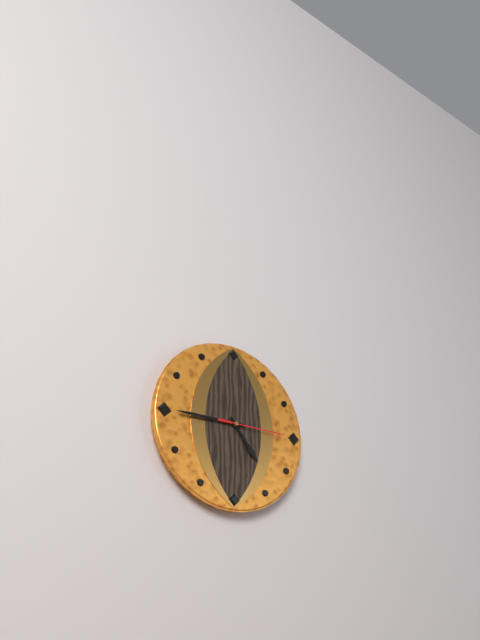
4:45:15
